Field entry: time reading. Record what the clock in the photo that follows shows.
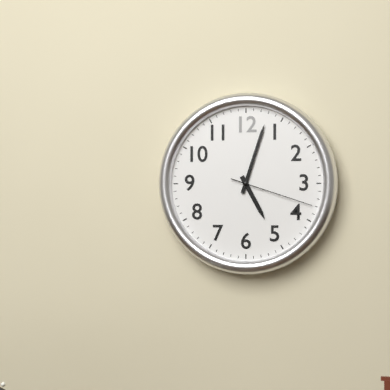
5:03:18
